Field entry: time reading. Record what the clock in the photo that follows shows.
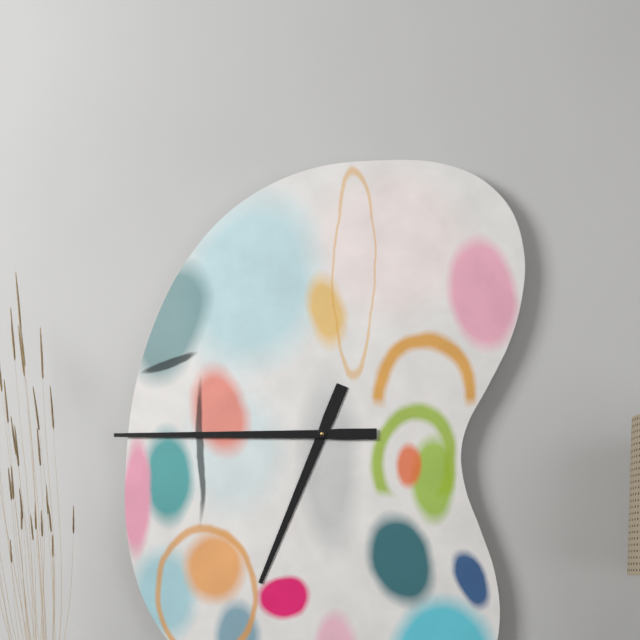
6:45
